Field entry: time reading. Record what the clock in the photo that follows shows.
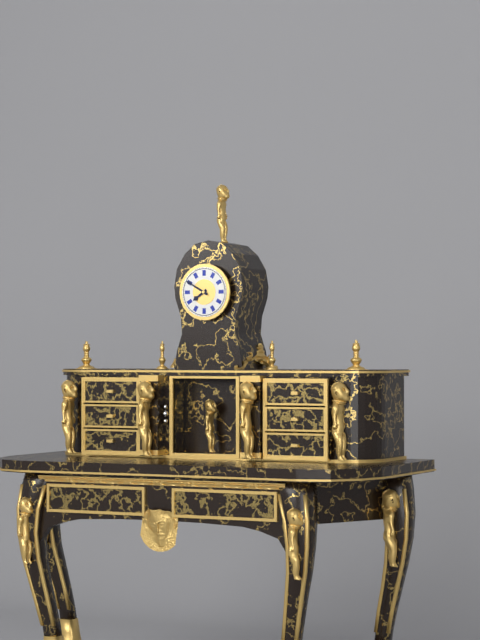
7:50
